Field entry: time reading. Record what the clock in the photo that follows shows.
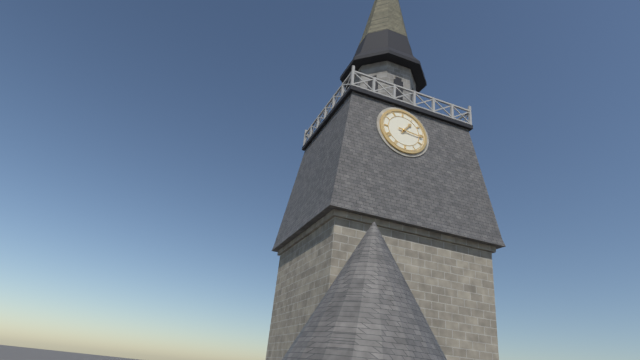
1:16
